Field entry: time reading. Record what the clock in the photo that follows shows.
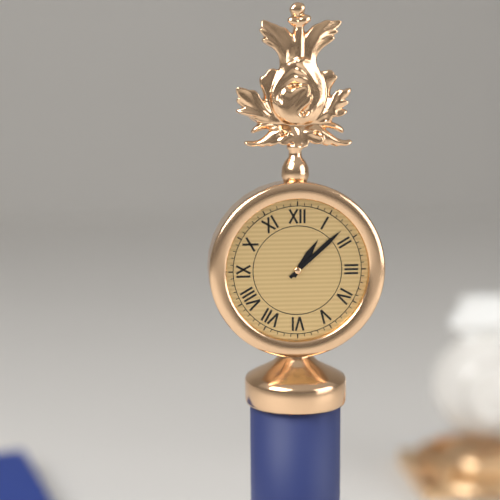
1:08
